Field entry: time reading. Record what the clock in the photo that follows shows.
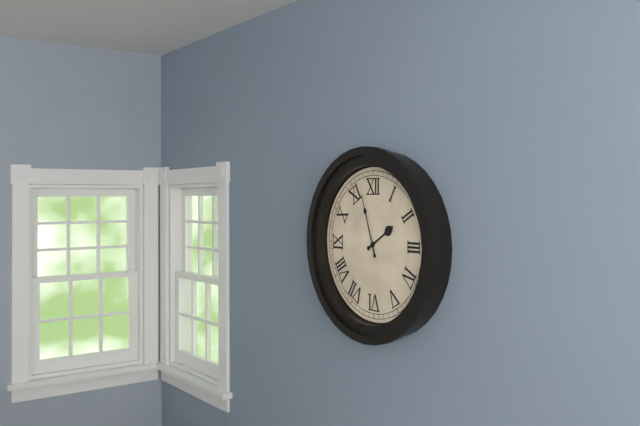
1:57
